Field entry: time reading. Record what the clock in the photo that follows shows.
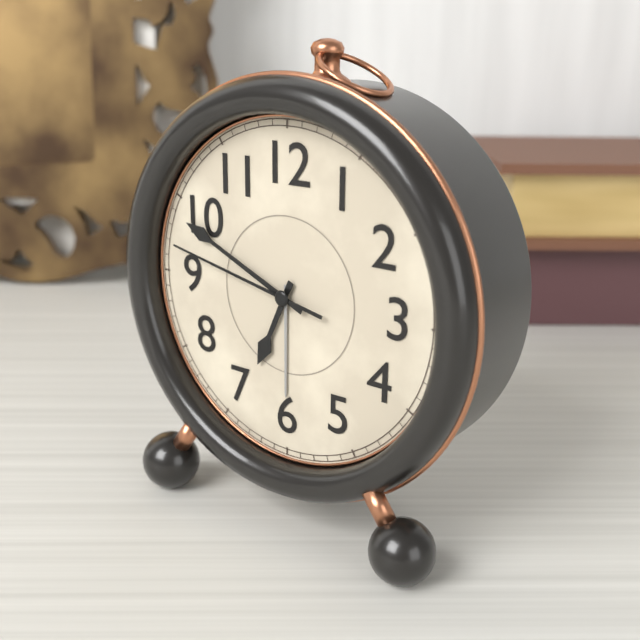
6:49:47
